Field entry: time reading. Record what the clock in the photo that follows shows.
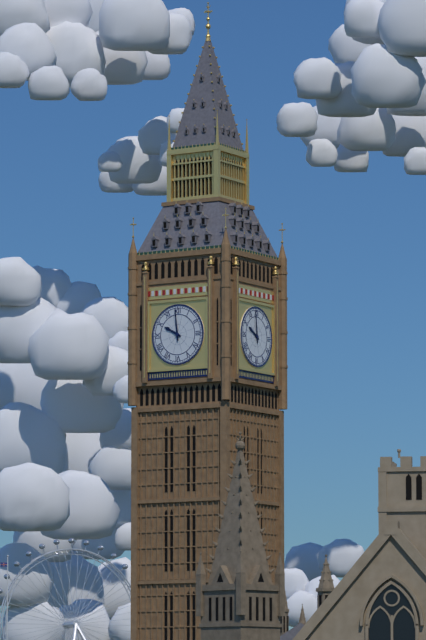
9:59
